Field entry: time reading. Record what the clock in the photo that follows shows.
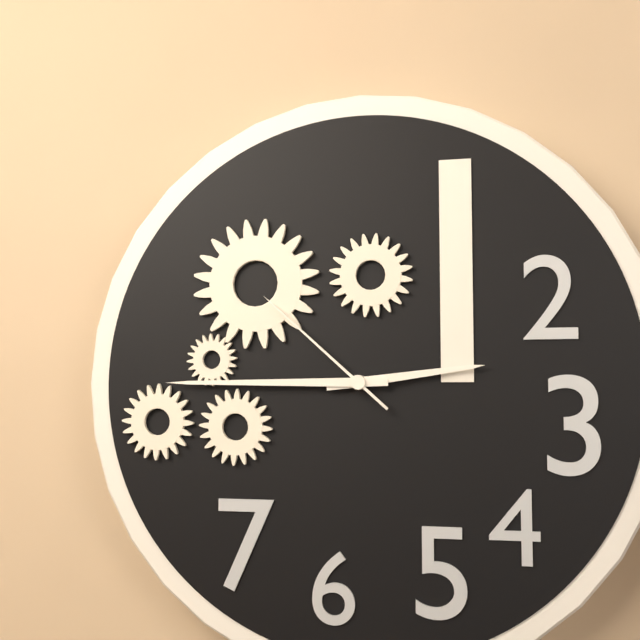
2:45:52
